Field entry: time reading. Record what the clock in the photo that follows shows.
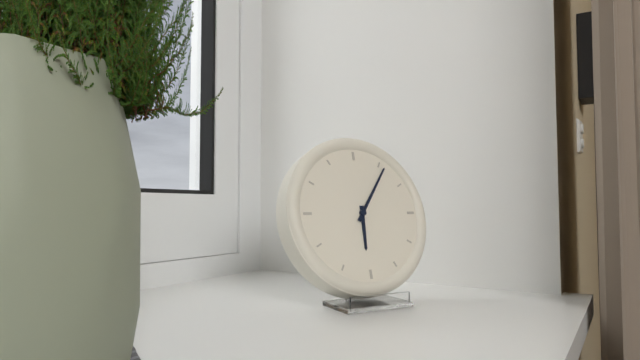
6:06
